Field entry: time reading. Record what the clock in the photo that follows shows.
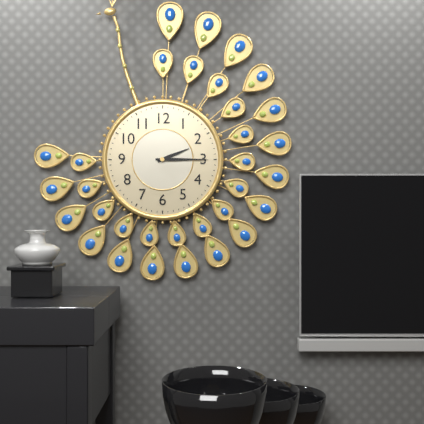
2:15
